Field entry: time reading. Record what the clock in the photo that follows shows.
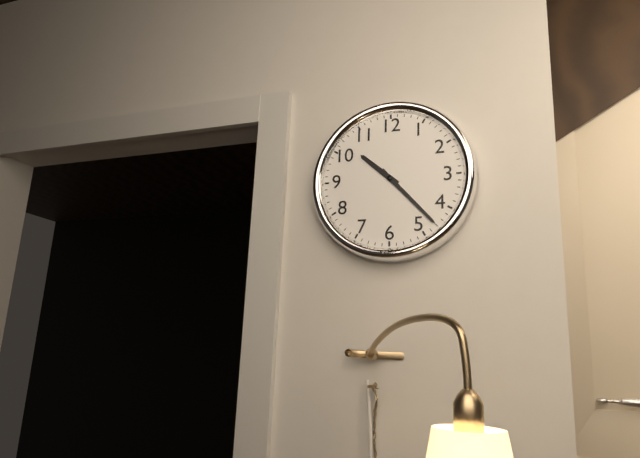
10:23
